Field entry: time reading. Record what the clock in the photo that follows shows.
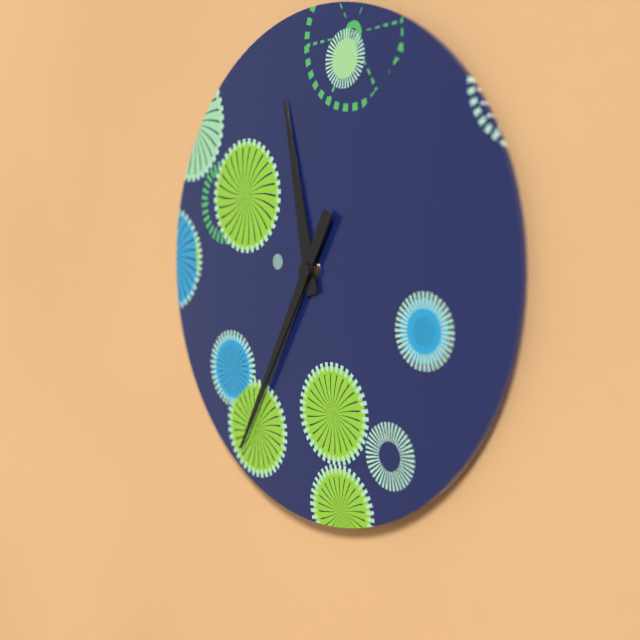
11:35
